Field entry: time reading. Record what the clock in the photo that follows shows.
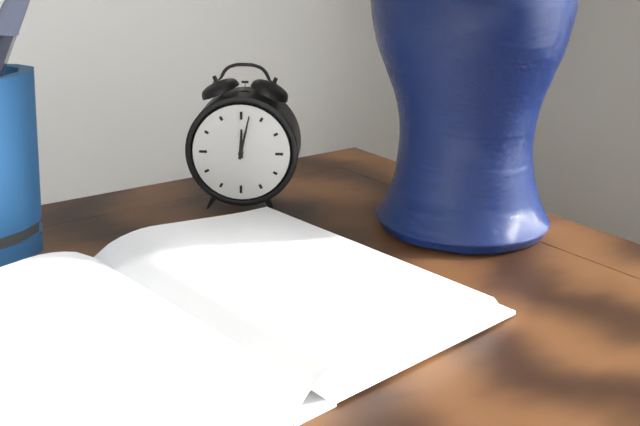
12:02
